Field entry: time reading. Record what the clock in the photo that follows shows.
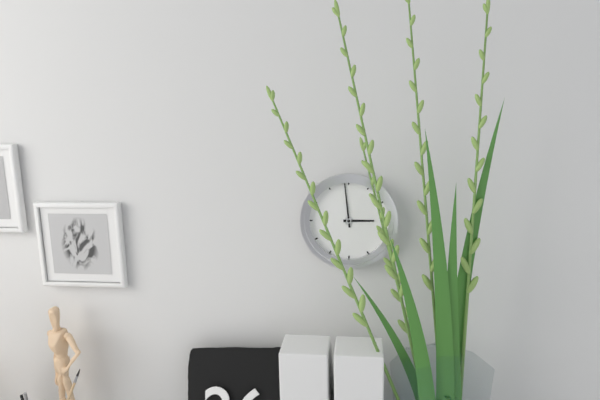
2:59
